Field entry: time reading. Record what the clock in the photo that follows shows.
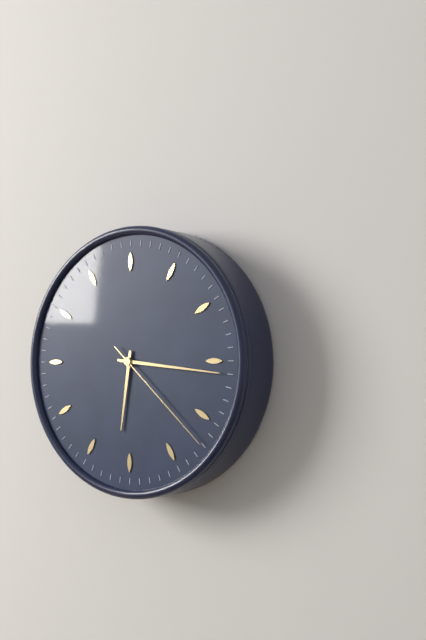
6:16:22
